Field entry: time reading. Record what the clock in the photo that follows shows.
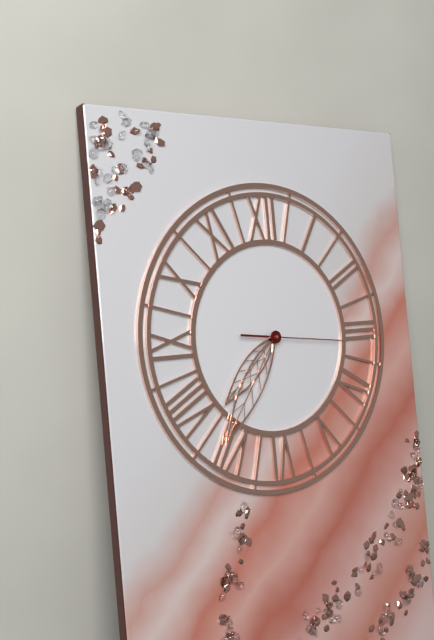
7:36:16
